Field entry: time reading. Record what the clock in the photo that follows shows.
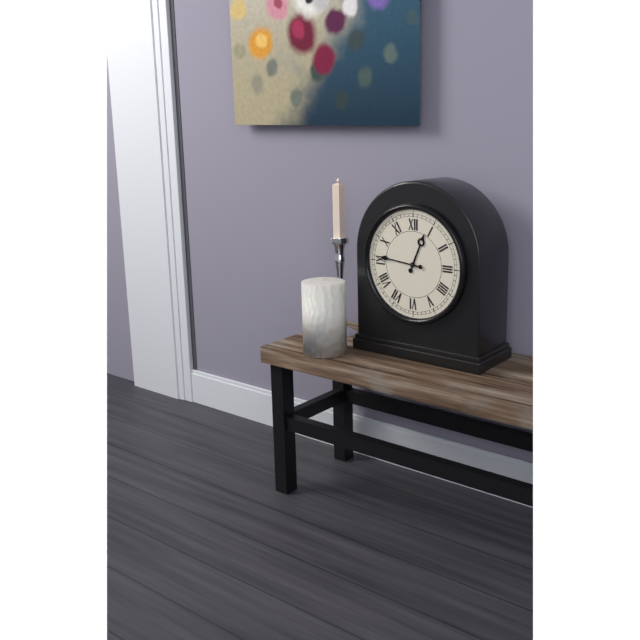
12:46
